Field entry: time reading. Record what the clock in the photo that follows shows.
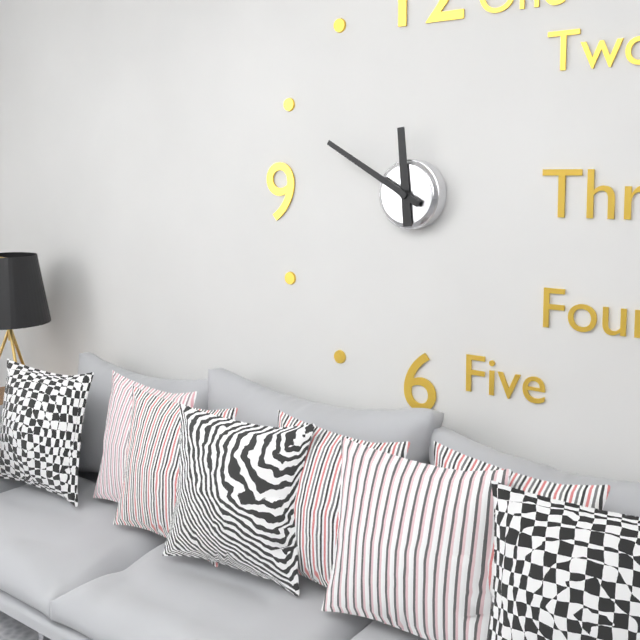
11:50
